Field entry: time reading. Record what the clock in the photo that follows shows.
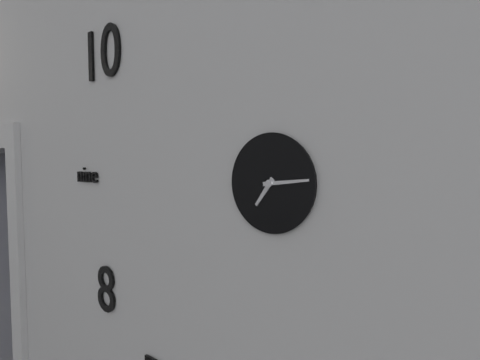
7:14
